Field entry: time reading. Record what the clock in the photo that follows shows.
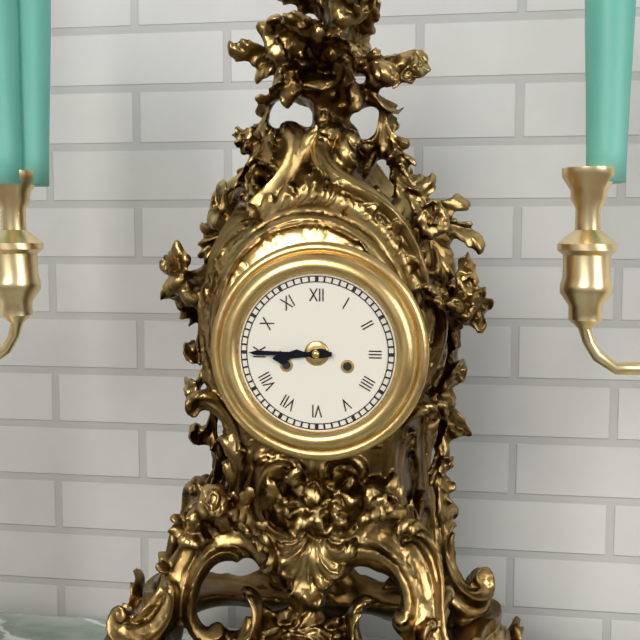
8:45
